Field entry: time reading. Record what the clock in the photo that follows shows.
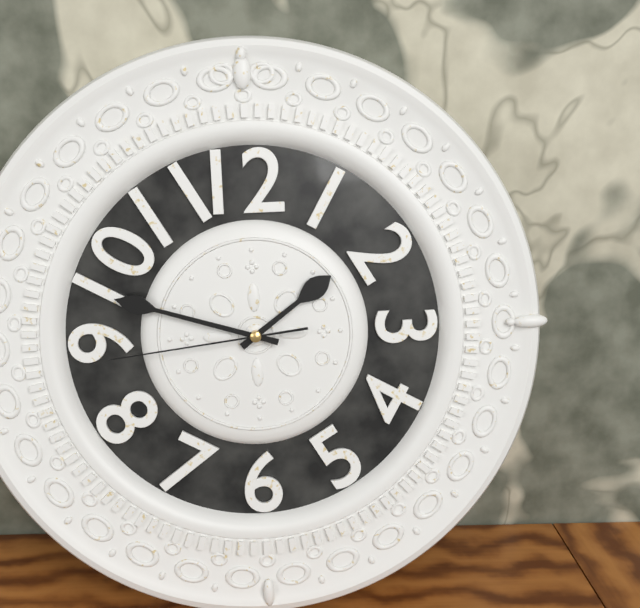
1:48:44
